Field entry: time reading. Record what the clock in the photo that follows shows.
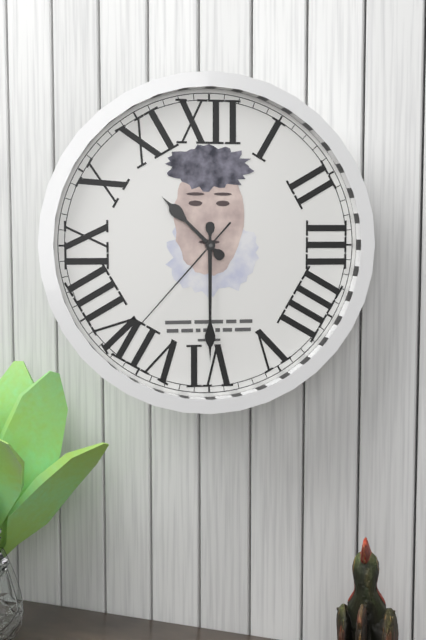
10:30:37
